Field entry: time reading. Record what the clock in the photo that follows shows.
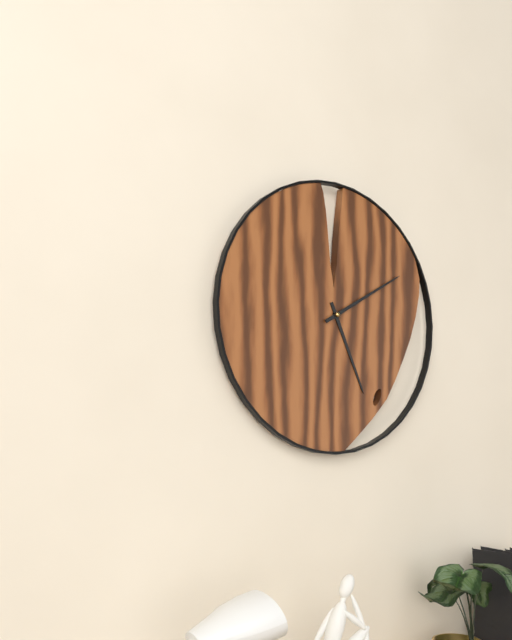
5:10
